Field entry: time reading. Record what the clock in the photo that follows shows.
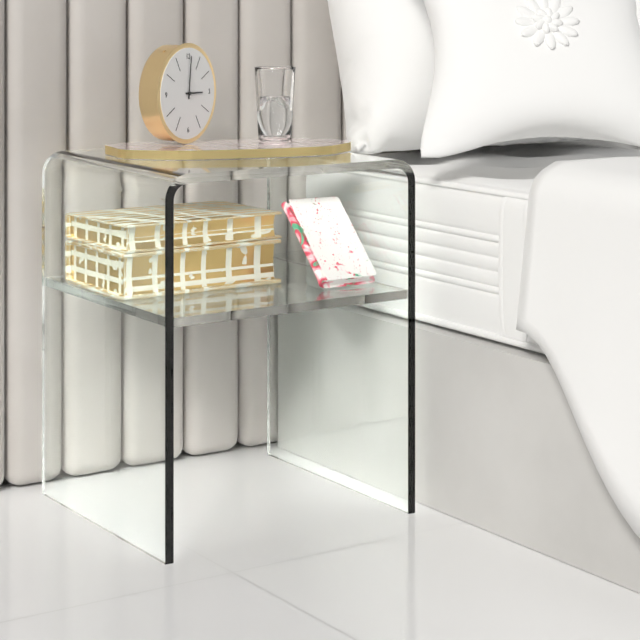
3:01
